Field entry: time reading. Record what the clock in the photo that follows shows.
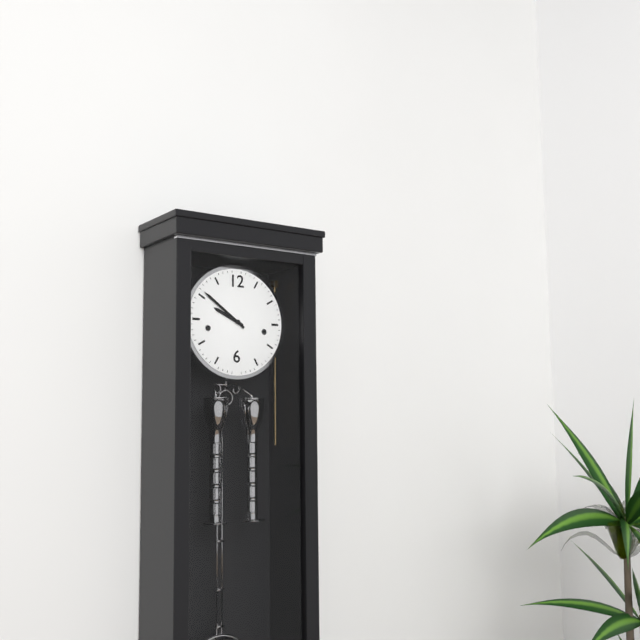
9:51
